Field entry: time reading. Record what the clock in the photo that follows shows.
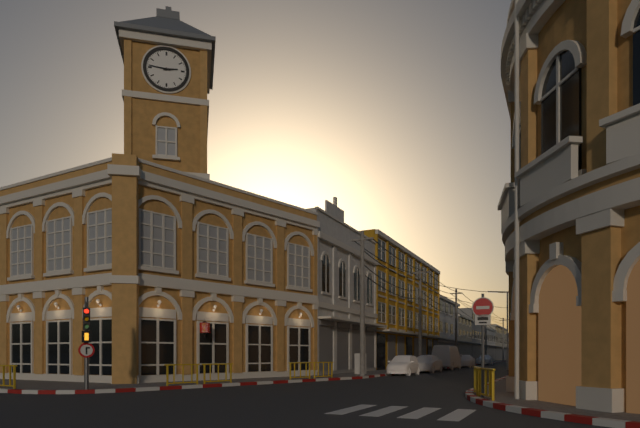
2:46
